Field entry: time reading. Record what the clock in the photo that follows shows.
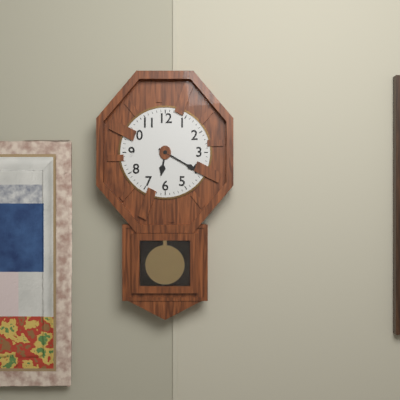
6:20
